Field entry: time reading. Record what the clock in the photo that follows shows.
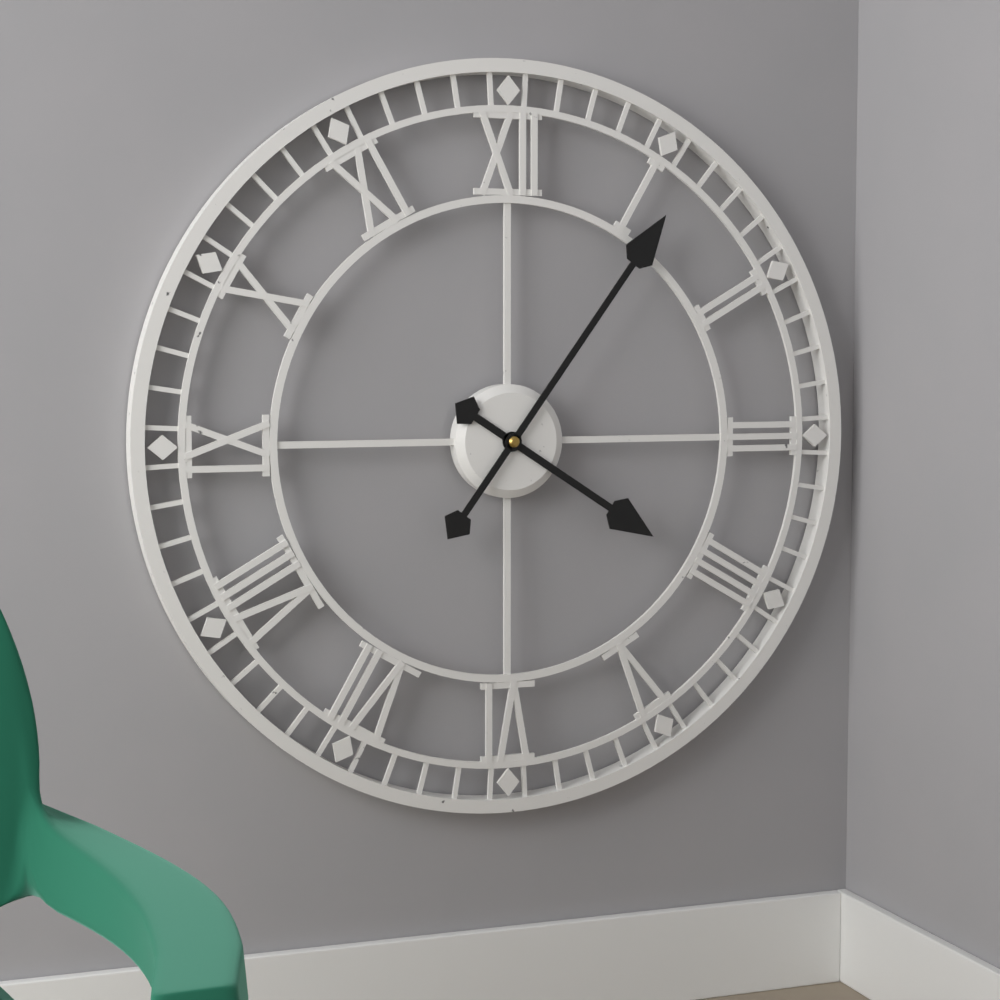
4:06
